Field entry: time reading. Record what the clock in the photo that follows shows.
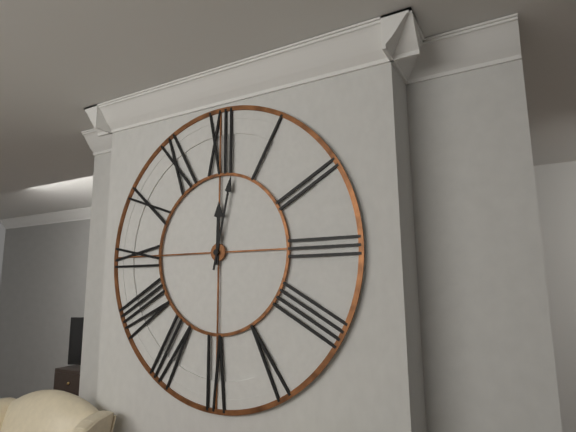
12:02
